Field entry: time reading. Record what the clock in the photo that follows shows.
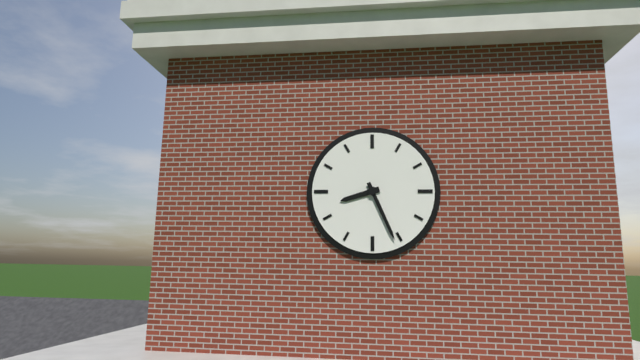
8:26
